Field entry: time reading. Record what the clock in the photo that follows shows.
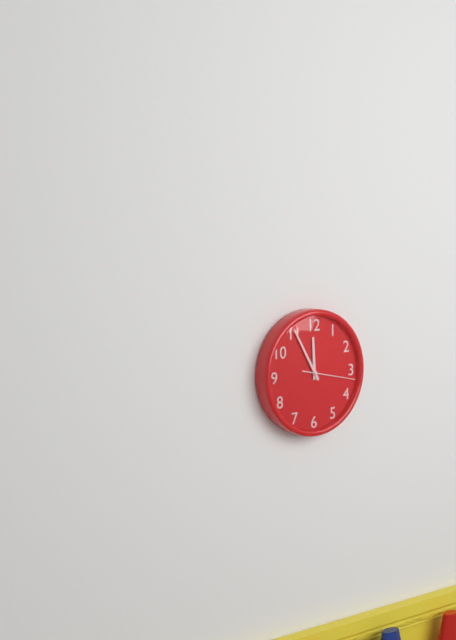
11:55:17
